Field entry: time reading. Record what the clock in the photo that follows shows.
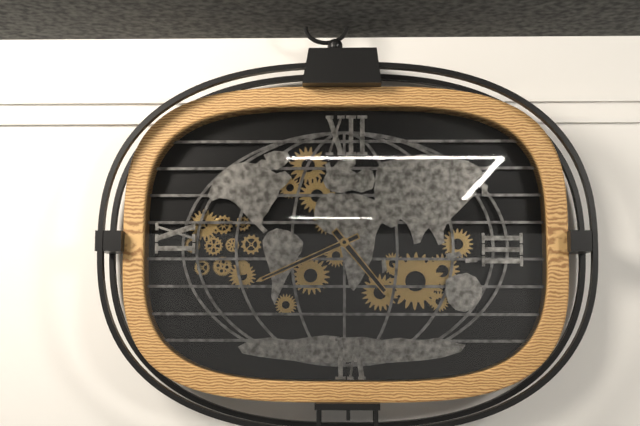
4:41
